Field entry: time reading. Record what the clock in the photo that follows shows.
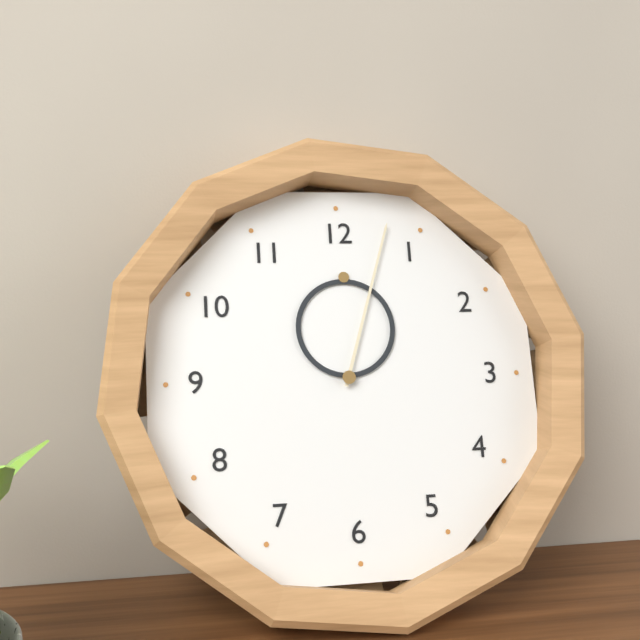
12:03
